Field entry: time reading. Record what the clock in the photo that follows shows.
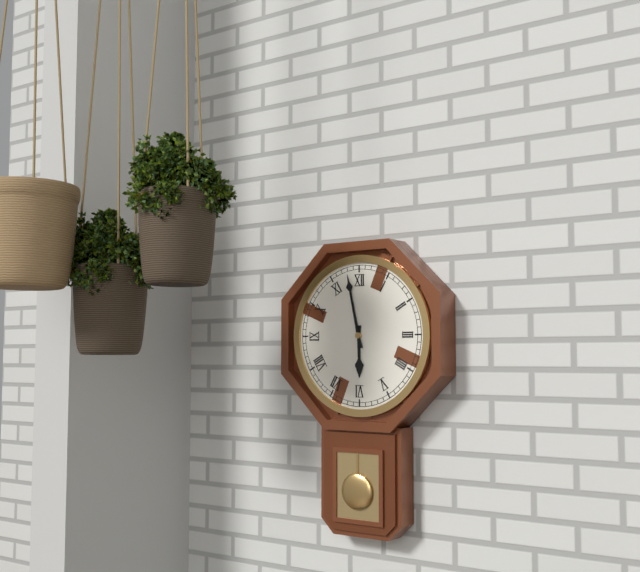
5:58
